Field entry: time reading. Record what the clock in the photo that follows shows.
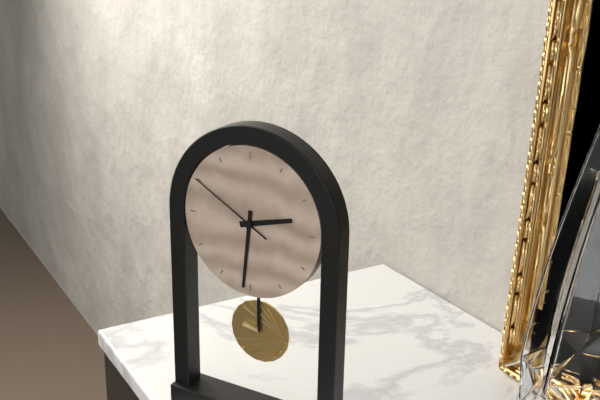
2:31:50
